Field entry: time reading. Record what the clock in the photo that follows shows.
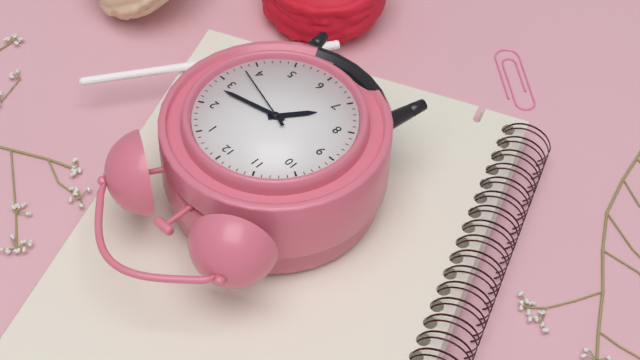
7:13:18
